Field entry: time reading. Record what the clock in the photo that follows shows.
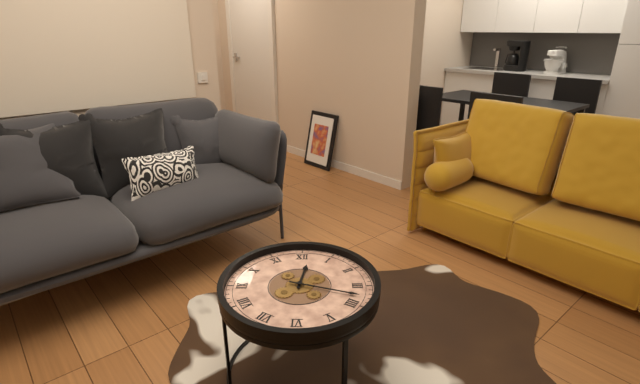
12:18
